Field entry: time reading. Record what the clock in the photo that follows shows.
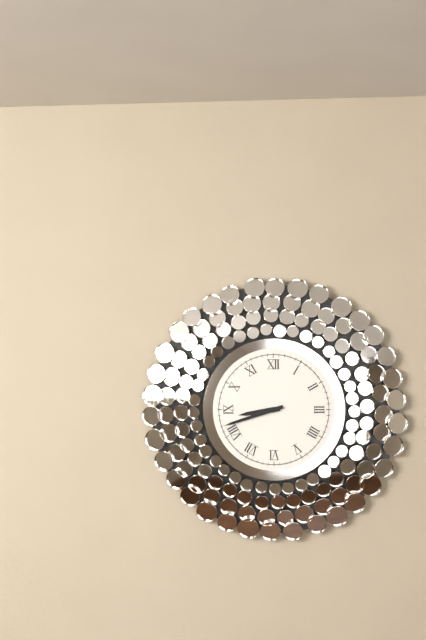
8:42
